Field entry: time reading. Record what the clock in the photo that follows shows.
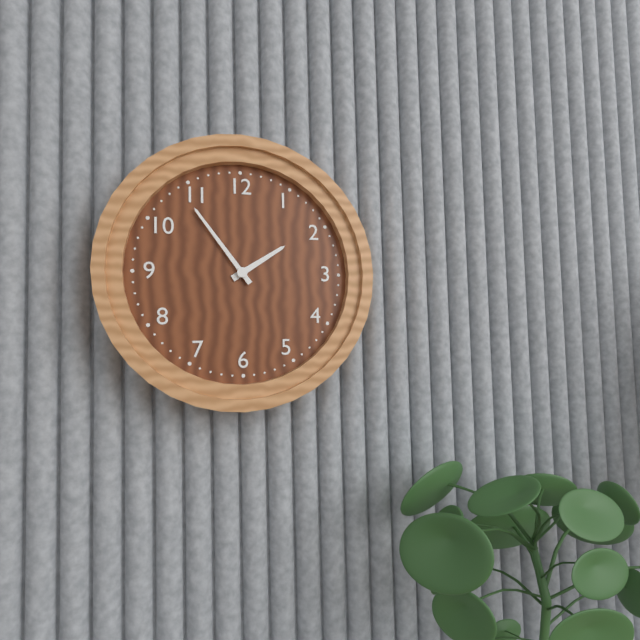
1:54
